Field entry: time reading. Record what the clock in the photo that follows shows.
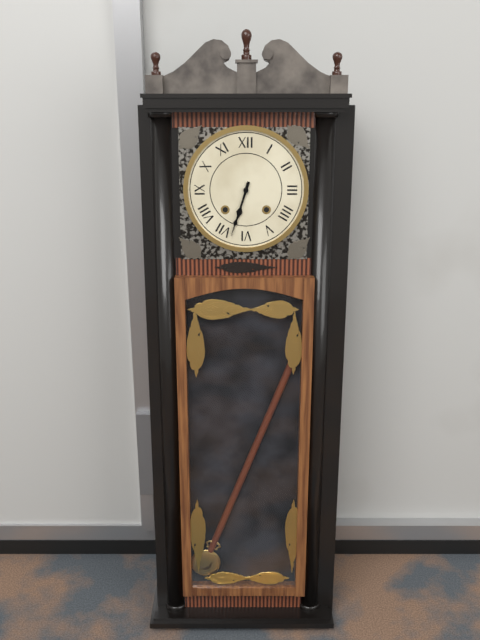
6:33
